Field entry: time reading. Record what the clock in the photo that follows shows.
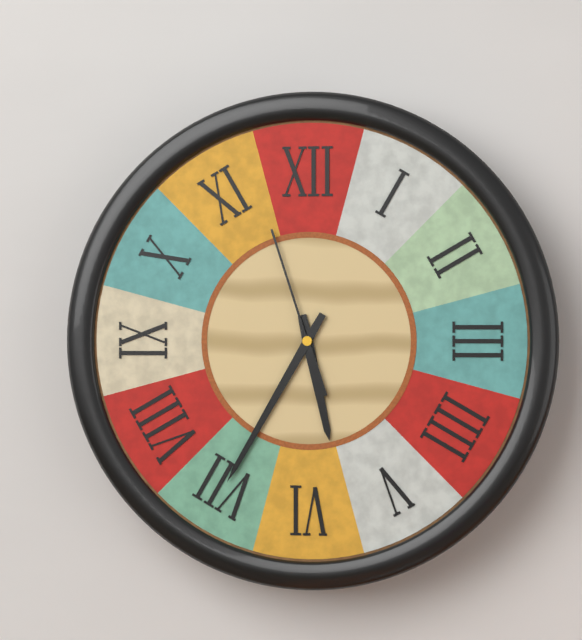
5:35:57
